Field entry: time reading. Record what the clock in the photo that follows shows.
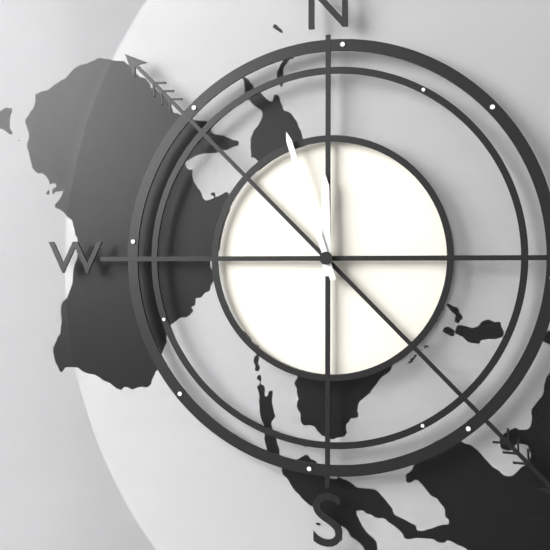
11:57
